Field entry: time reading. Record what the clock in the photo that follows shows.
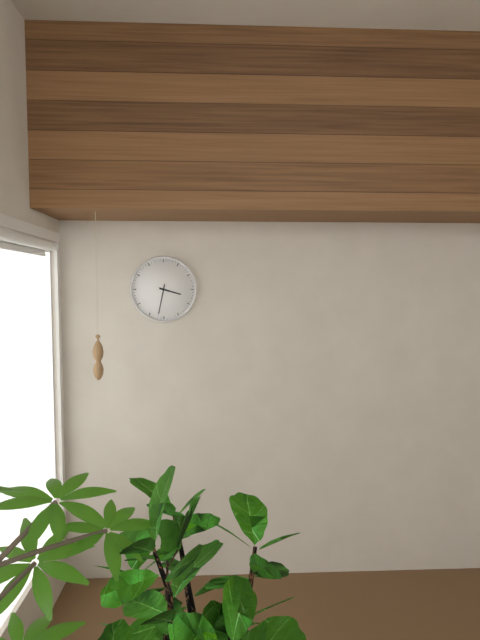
3:32
